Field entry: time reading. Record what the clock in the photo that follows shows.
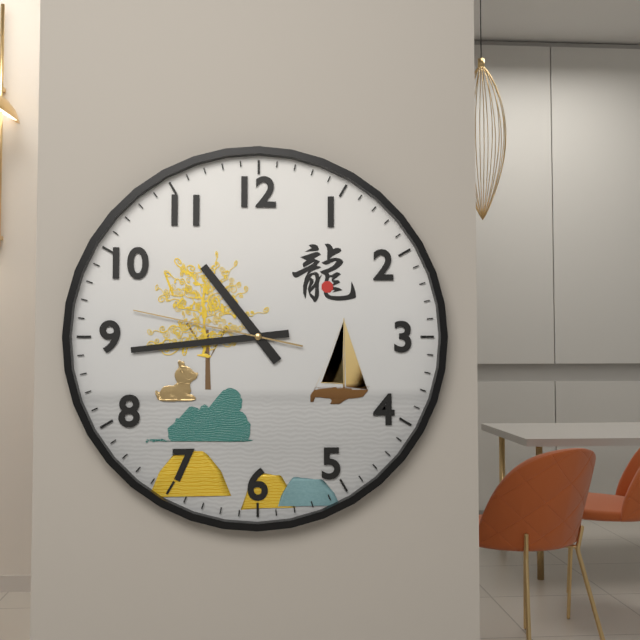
10:44:47
